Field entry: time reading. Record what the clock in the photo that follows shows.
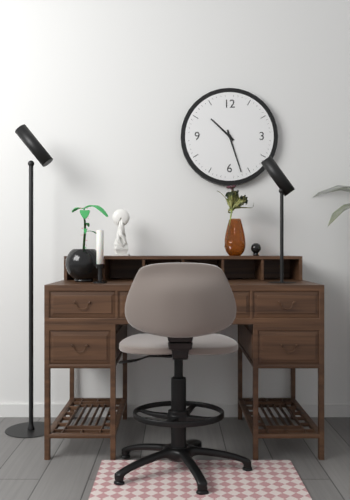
10:27
